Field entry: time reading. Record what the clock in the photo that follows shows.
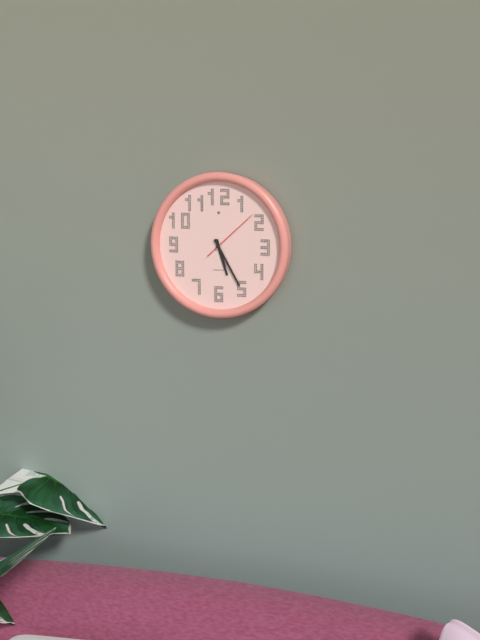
5:25:08
